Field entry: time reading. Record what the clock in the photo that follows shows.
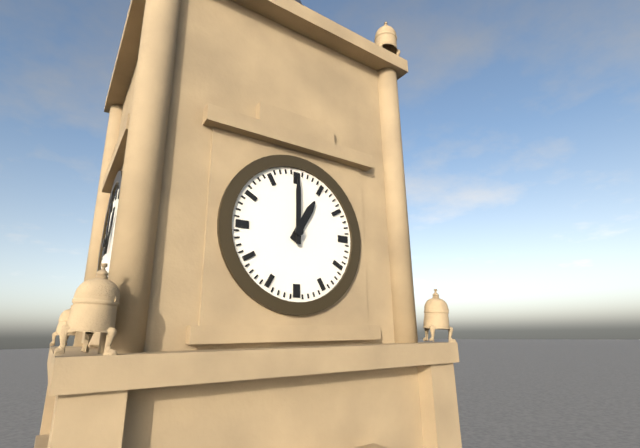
1:00
